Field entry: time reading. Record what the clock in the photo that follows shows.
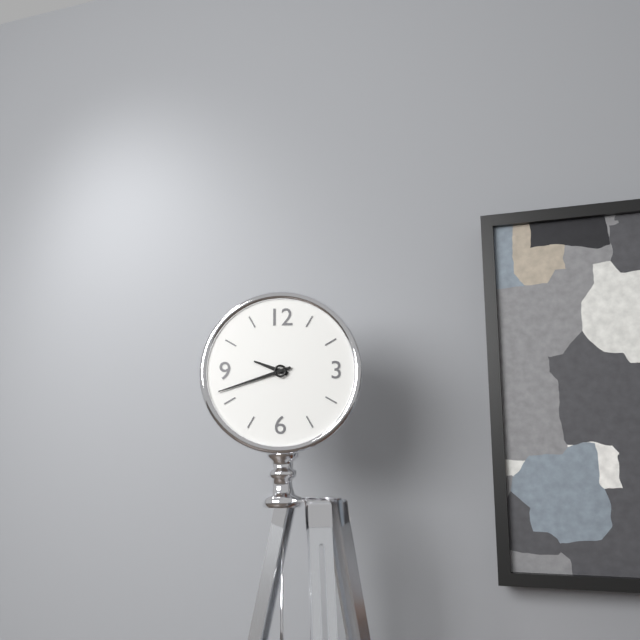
9:42
